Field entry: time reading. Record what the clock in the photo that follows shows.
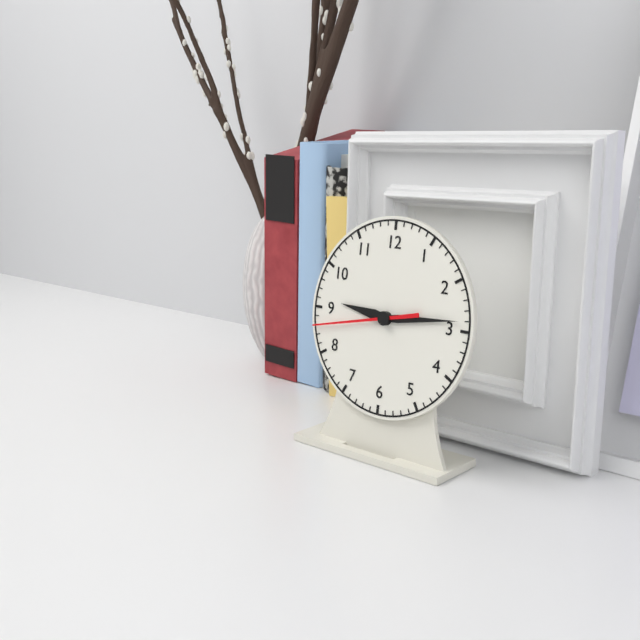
9:14:43
